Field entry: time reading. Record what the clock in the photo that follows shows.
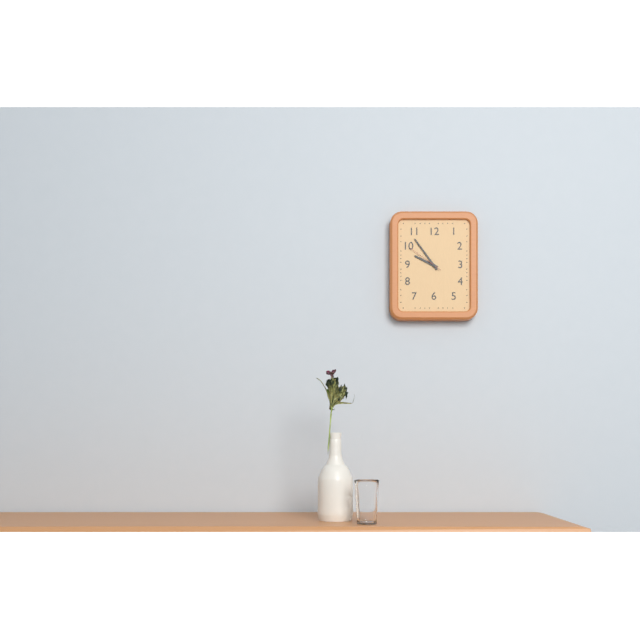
9:54
